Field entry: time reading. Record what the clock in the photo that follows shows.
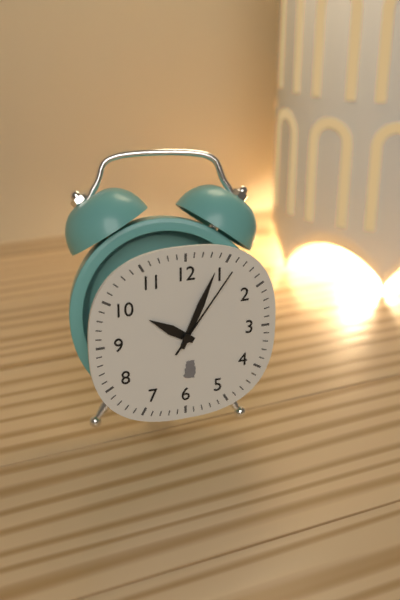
10:04:06
